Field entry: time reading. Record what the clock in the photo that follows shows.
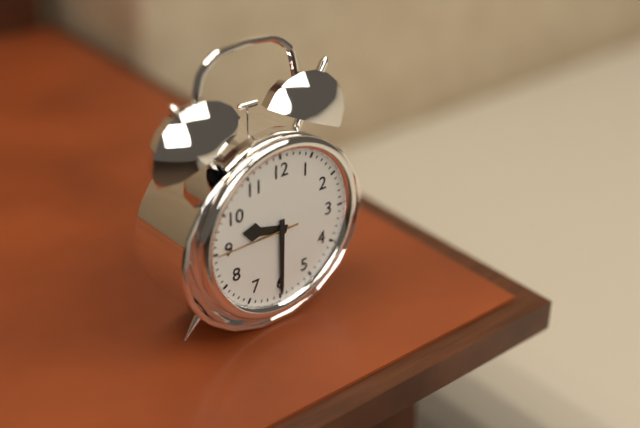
9:30:45
